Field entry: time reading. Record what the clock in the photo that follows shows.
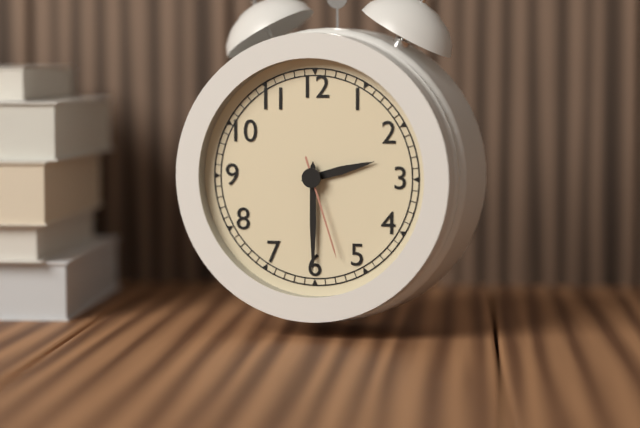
2:30:27
